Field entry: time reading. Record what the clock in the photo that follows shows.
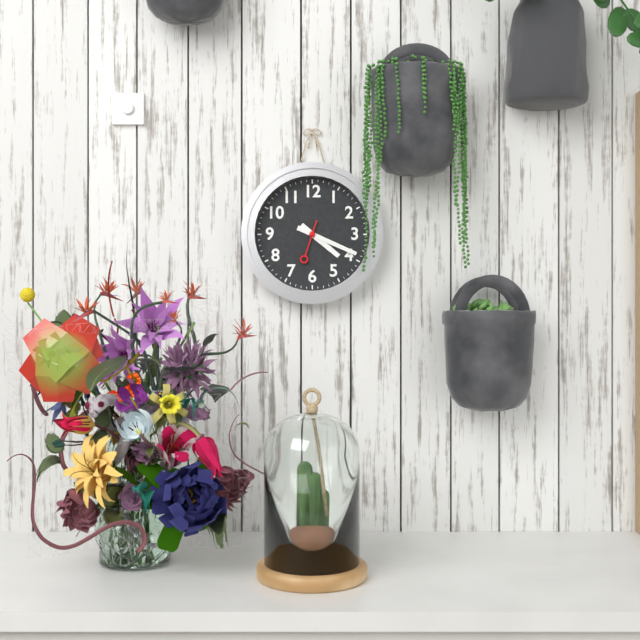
4:19
